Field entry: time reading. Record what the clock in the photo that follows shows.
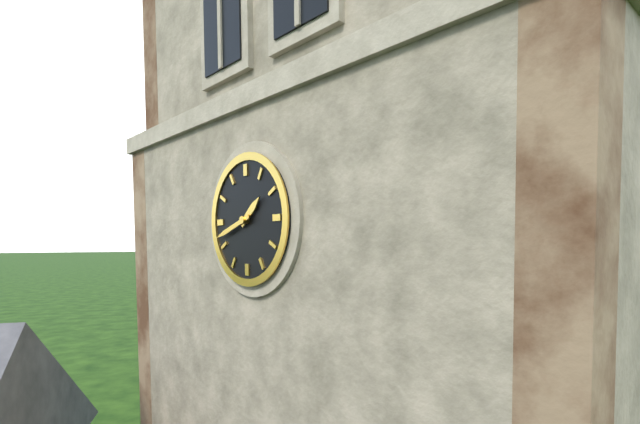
1:42
